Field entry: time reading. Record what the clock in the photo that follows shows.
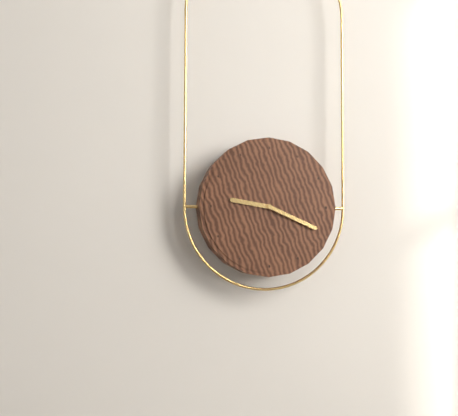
9:19
